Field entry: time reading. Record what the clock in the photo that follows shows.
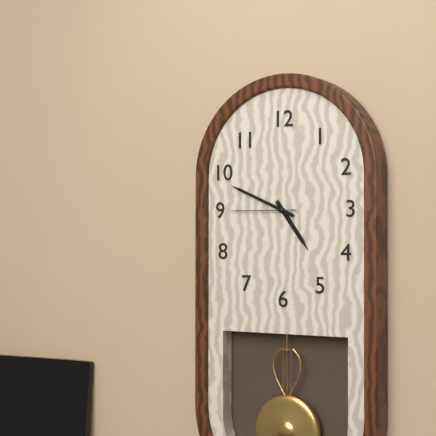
4:49:45
